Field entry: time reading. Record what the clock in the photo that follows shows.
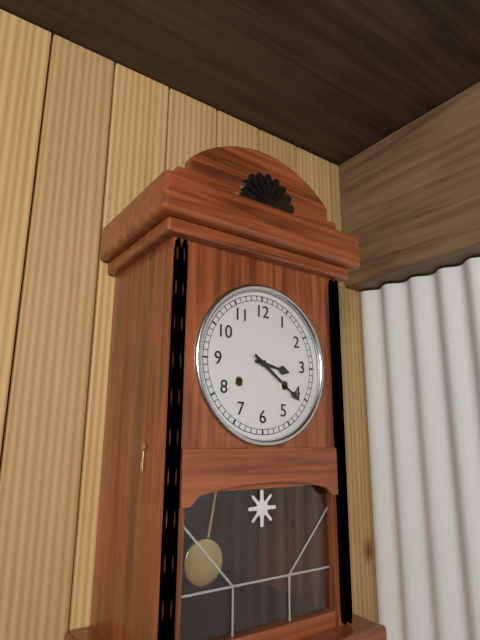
3:21
